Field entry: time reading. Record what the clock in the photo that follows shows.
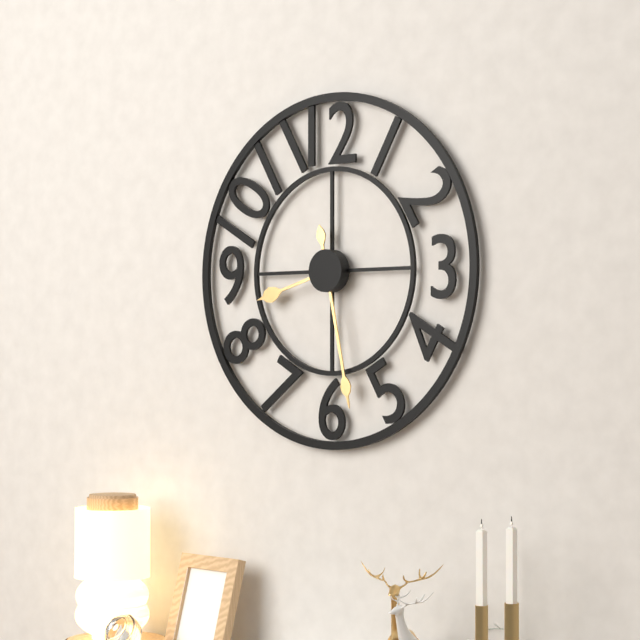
8:28
